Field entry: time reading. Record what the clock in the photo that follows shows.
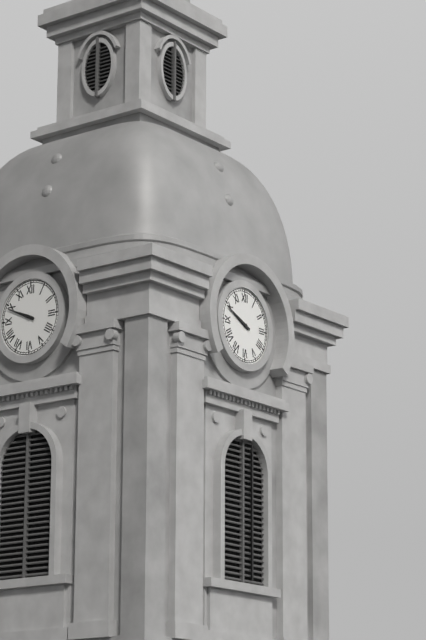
9:49
